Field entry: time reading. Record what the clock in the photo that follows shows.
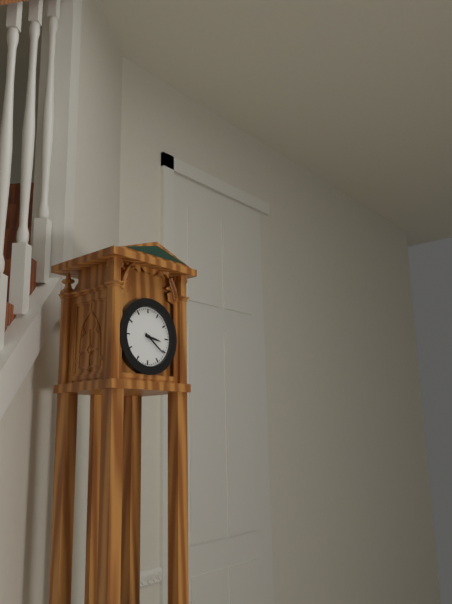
3:21
